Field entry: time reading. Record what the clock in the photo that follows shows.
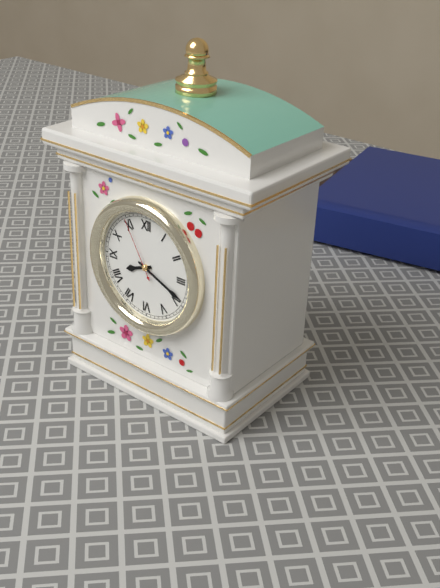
8:19:55
